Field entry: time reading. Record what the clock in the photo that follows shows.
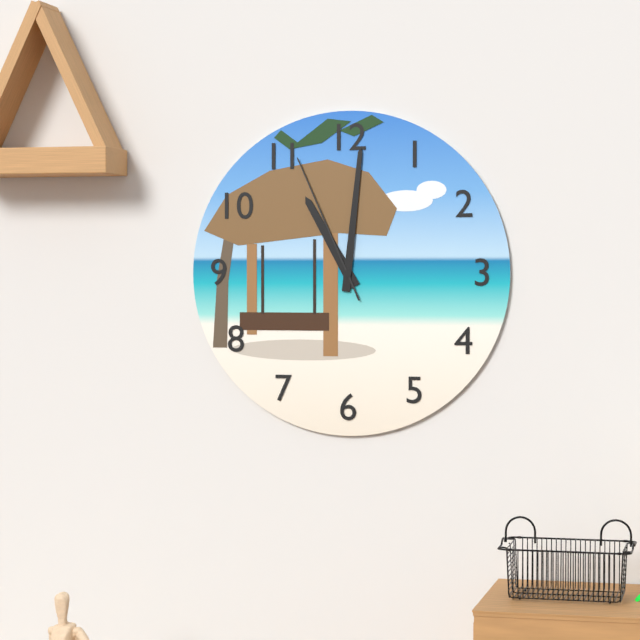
11:01:56
